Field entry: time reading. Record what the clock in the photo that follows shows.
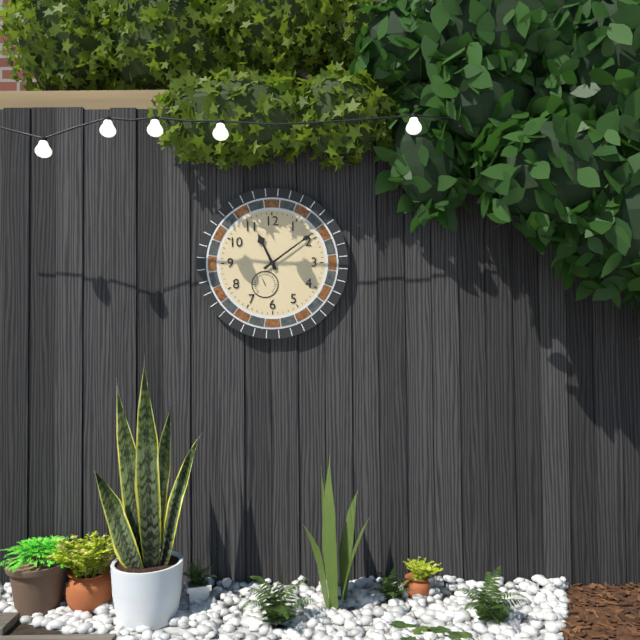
11:09
